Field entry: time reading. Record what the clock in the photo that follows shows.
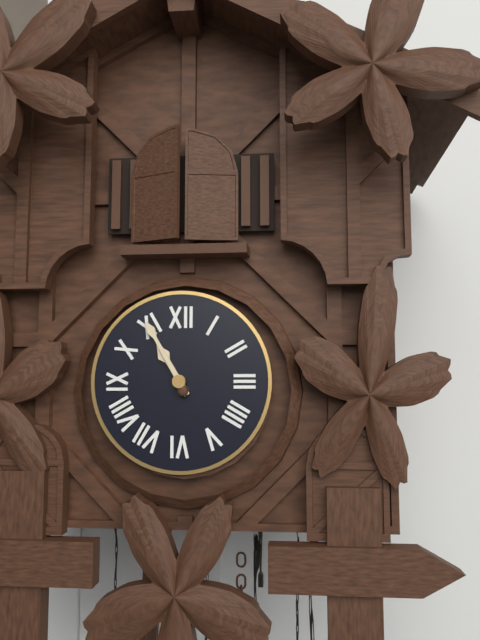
10:55
